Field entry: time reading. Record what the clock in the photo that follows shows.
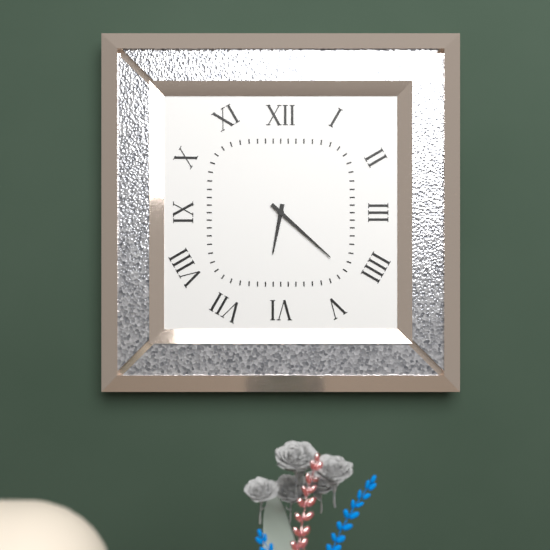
6:22
